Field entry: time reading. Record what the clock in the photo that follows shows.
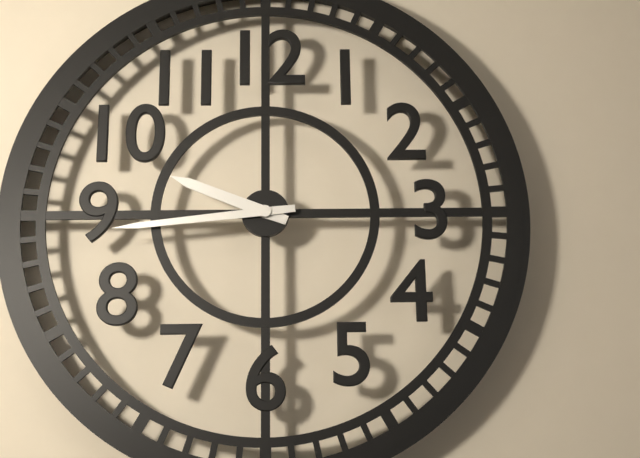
9:44
